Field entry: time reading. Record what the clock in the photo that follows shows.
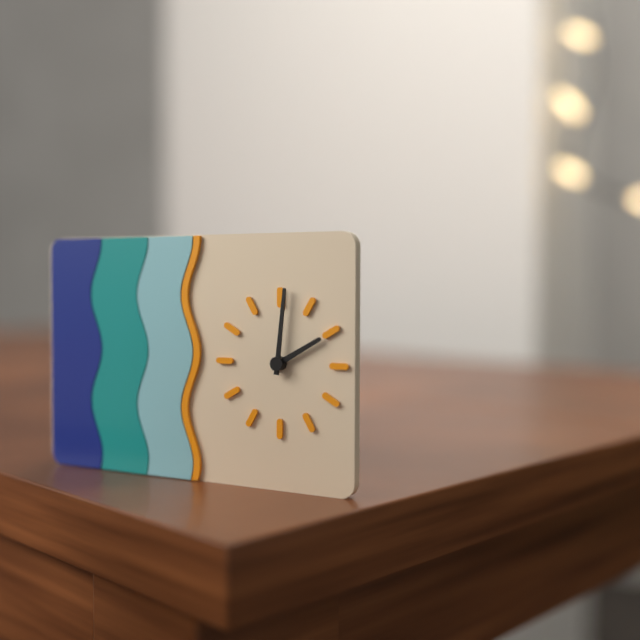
2:01
